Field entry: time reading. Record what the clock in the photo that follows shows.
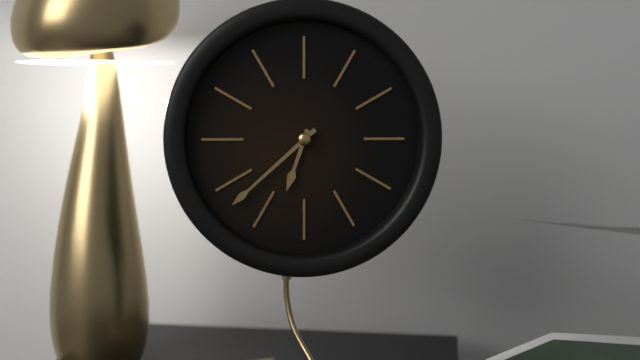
6:38
